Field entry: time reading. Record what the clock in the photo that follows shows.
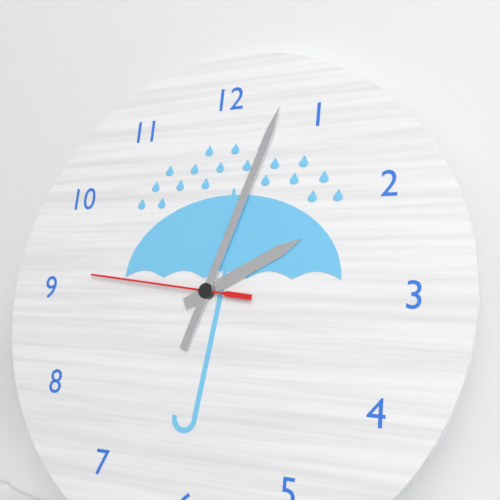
2:03:46
